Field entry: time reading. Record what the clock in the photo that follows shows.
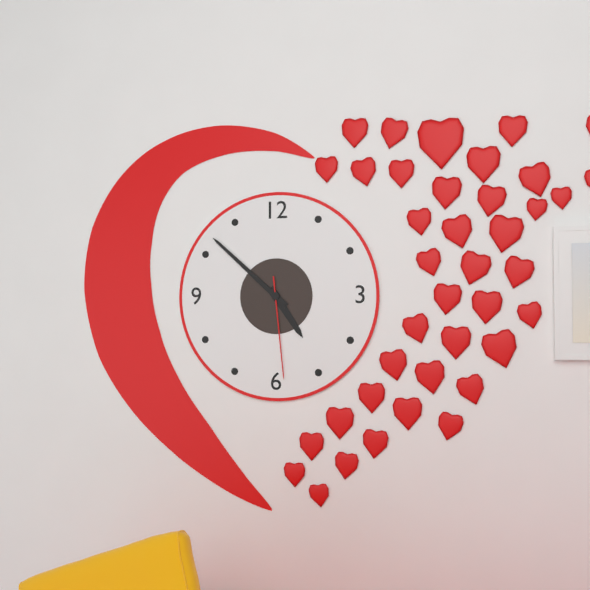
4:52:29
